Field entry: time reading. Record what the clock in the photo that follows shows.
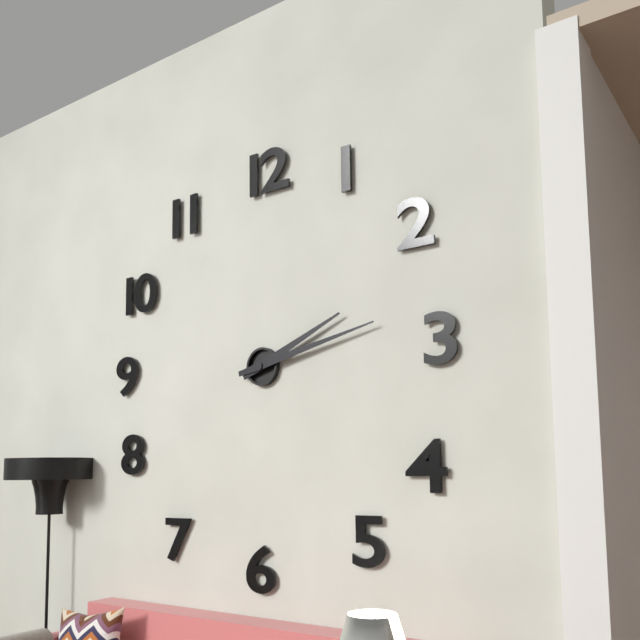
2:13
